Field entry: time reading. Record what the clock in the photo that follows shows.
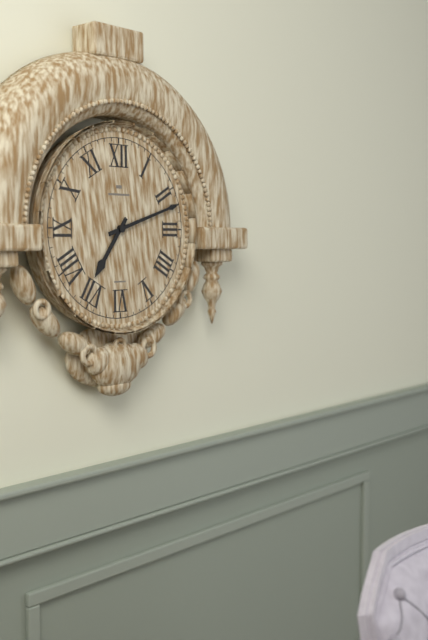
7:12
